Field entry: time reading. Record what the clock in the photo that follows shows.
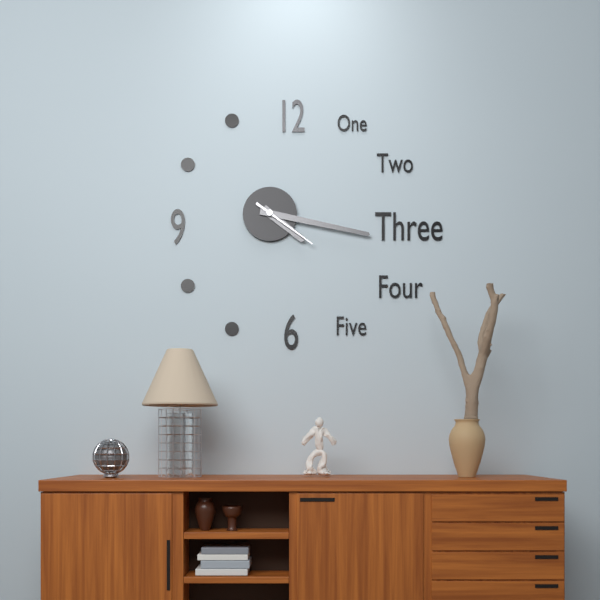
4:17:21
